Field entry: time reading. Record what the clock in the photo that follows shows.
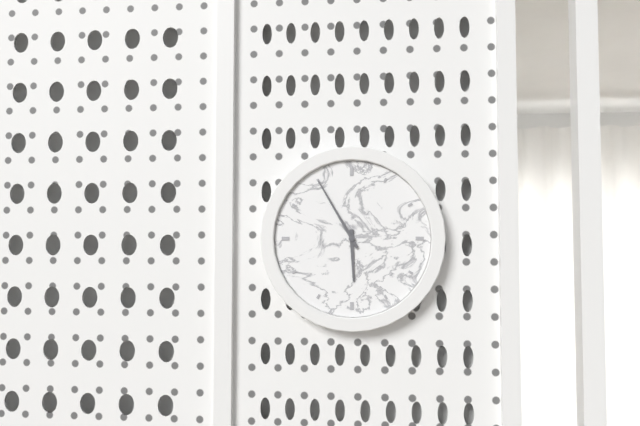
5:55
